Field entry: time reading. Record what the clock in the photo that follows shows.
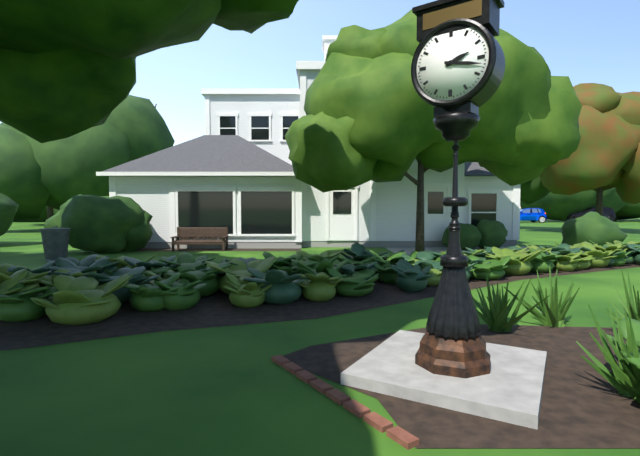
2:17
